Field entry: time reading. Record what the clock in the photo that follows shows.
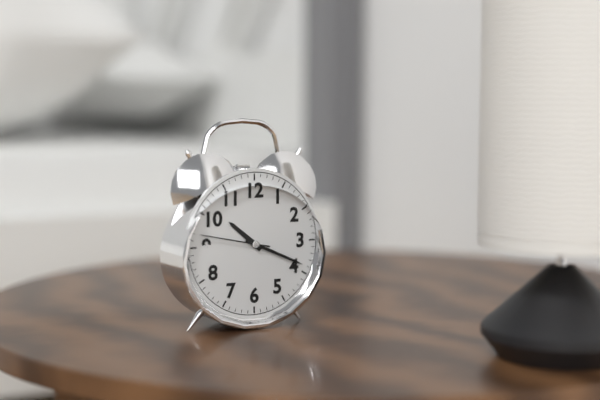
10:19:47
